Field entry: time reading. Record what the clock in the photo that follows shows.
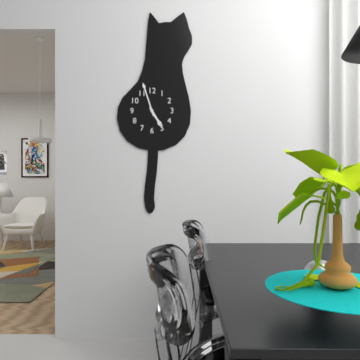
4:57
